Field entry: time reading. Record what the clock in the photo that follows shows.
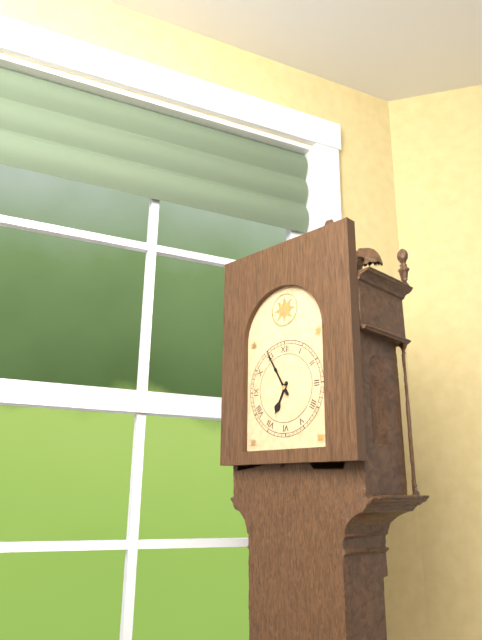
6:55
